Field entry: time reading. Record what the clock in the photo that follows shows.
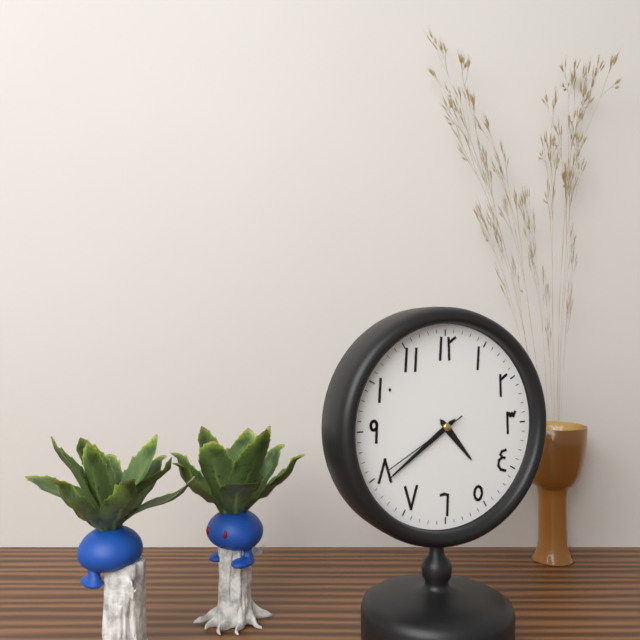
4:39:40
